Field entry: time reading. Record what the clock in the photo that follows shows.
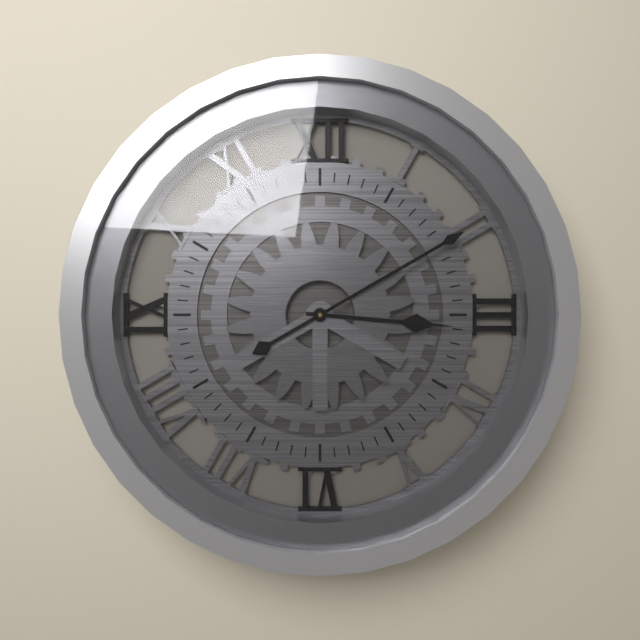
3:10
